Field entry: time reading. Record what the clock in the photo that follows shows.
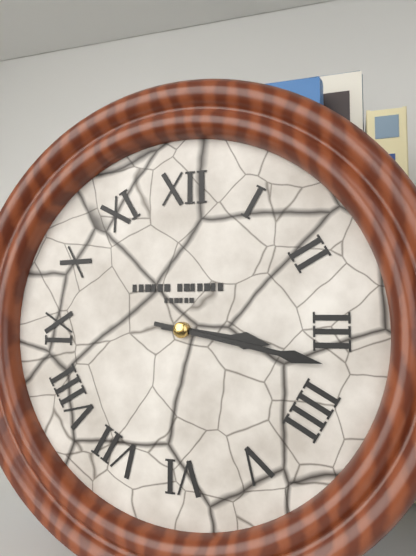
3:17
